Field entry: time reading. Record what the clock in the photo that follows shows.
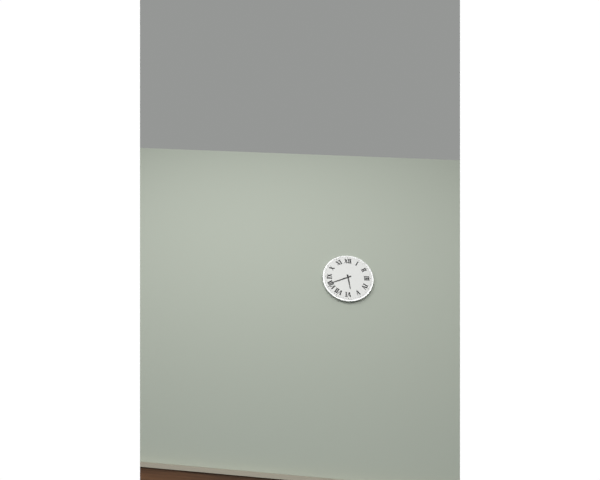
5:41
